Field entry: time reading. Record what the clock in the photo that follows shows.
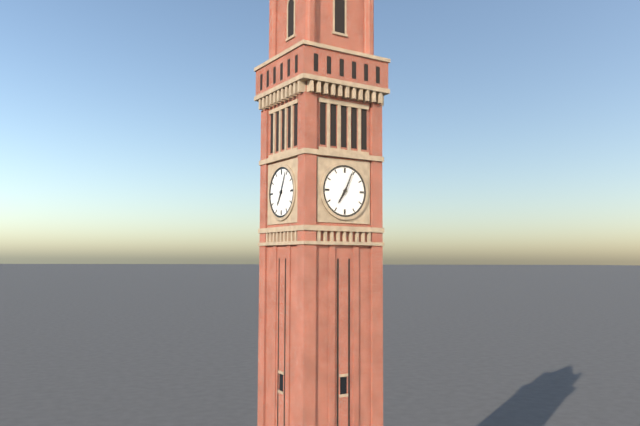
7:04
